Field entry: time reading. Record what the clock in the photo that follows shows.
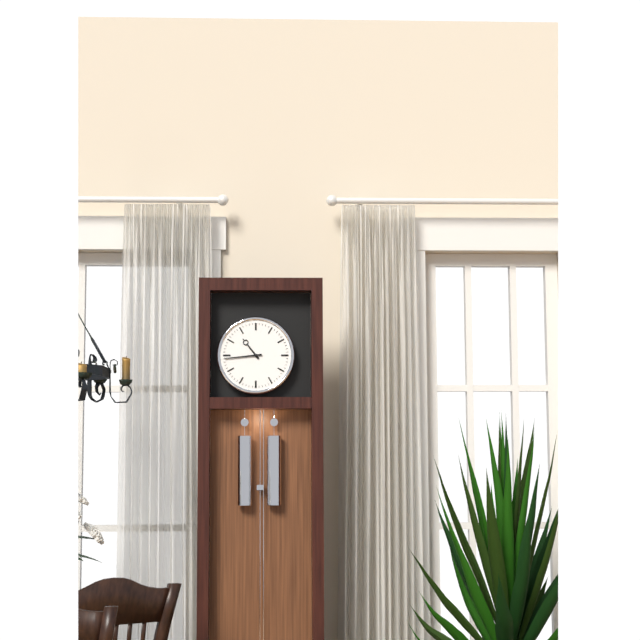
10:44
